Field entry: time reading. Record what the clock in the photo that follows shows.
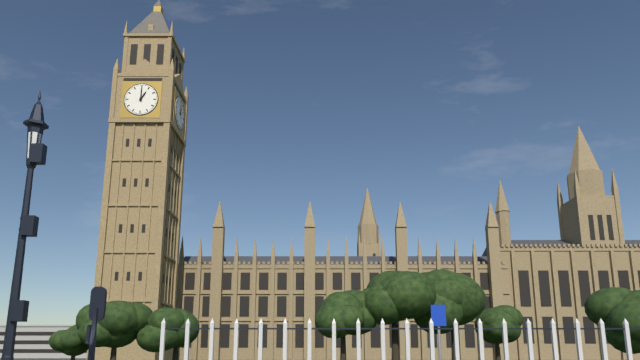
1:00
